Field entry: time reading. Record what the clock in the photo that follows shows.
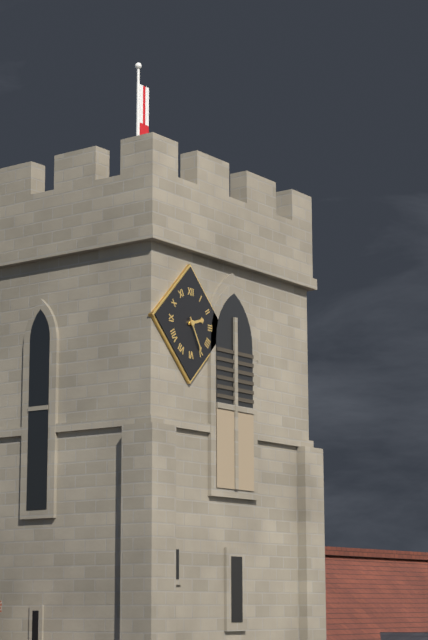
2:25
